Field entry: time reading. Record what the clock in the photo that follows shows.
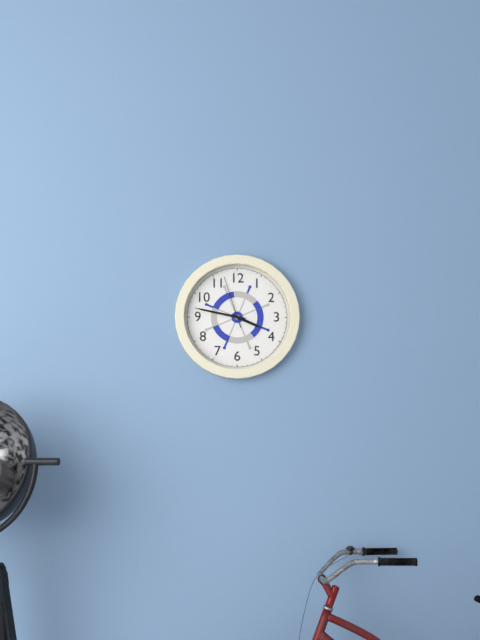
3:47:57
